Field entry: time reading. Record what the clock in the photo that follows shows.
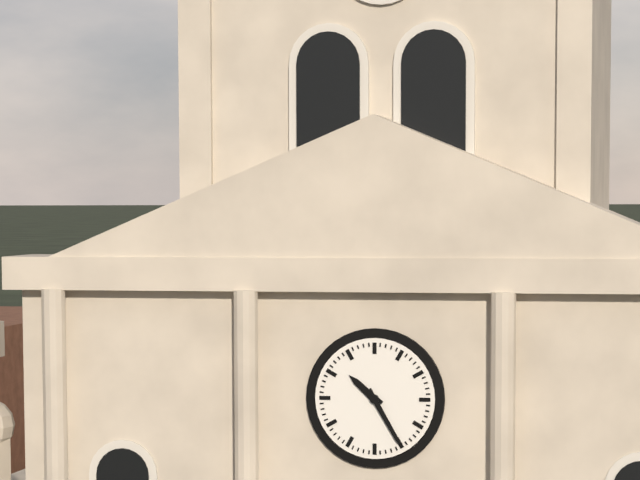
10:25
